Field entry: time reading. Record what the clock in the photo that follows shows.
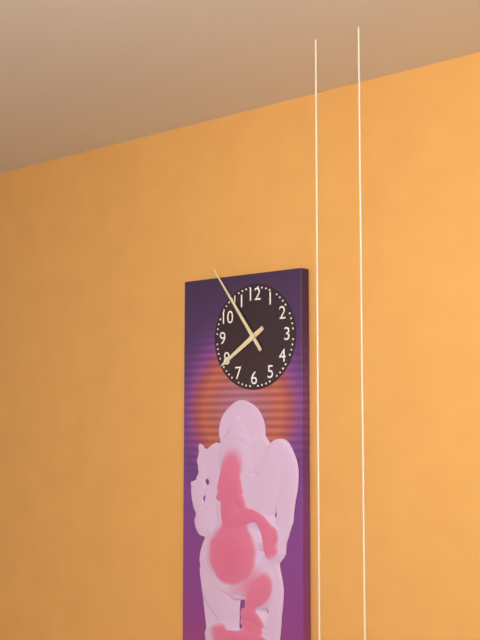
7:54
